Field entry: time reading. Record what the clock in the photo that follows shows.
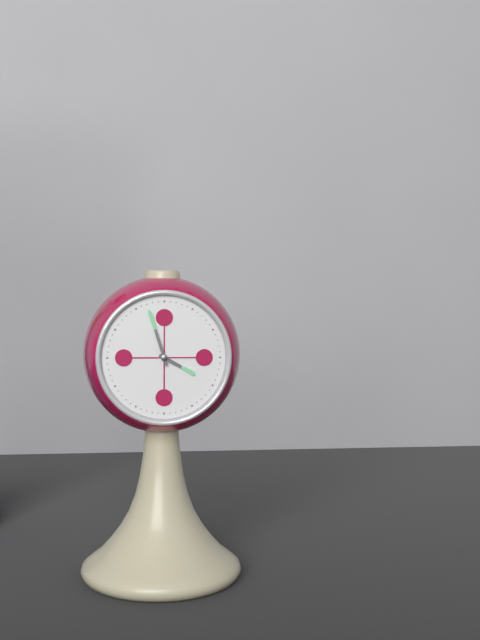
3:57
